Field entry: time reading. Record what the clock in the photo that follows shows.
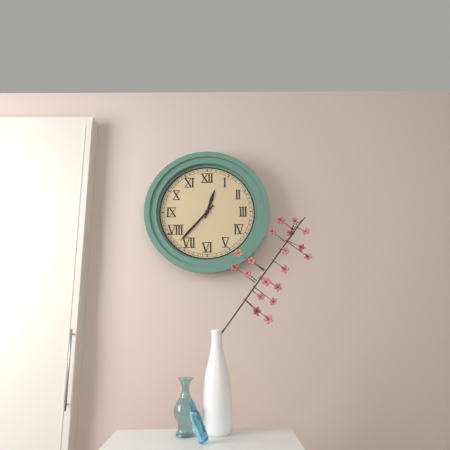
12:37
